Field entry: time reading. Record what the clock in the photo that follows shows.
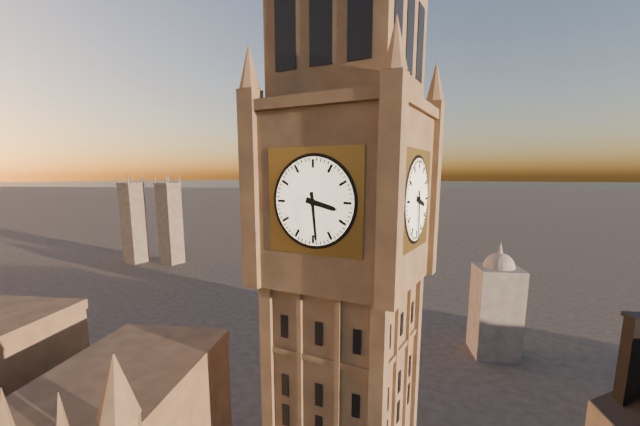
3:29
